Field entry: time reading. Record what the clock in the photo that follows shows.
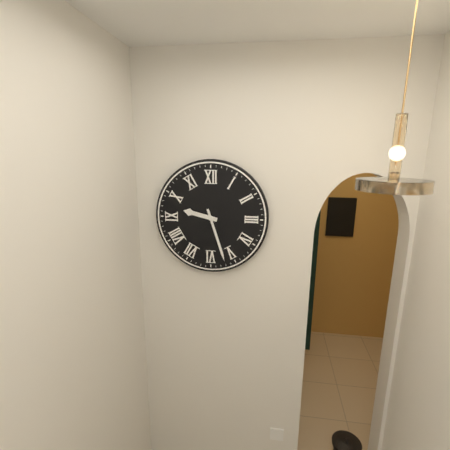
9:27
